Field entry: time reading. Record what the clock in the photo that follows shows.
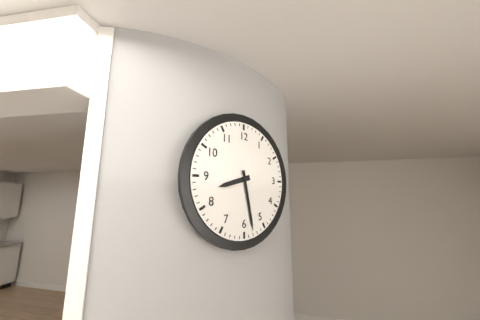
8:28
